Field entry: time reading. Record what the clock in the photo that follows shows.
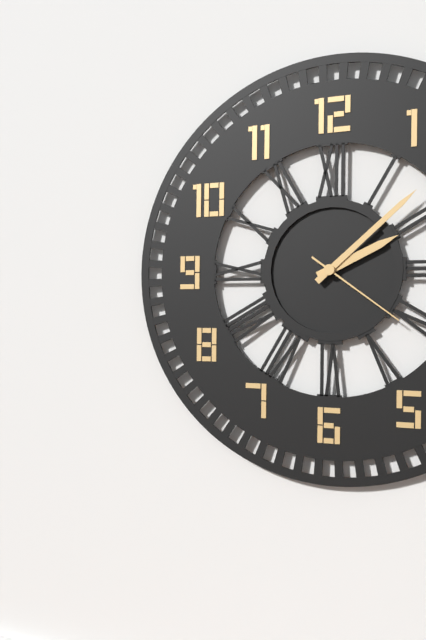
2:08:21
